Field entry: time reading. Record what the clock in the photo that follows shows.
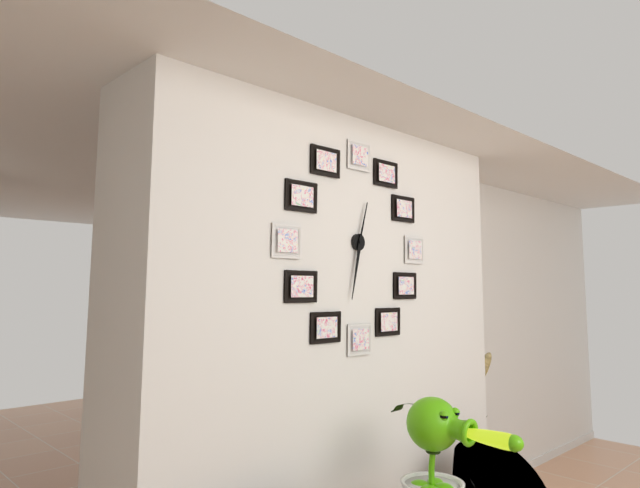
12:32
